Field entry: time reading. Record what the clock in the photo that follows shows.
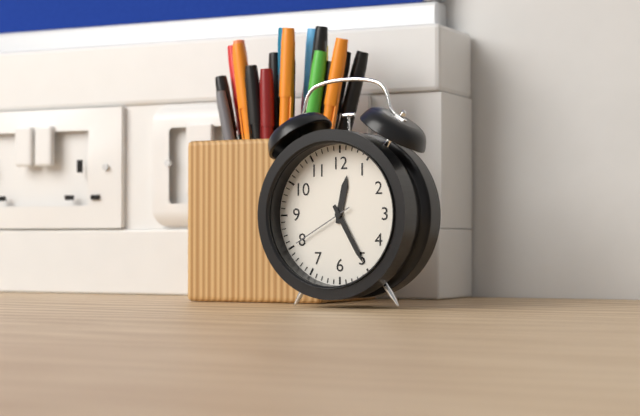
12:25:40
